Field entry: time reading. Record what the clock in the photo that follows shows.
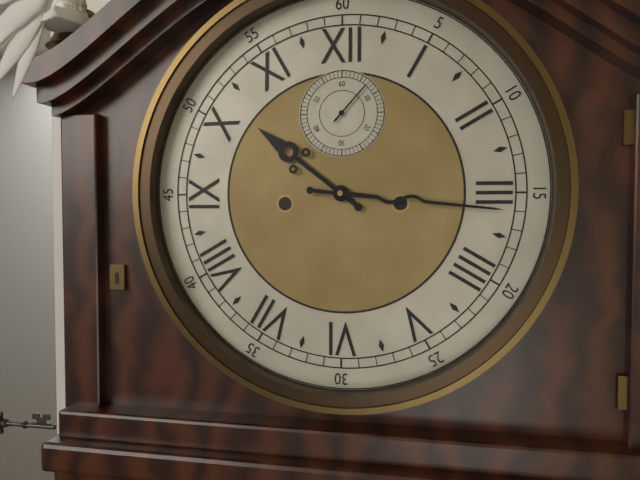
10:16
